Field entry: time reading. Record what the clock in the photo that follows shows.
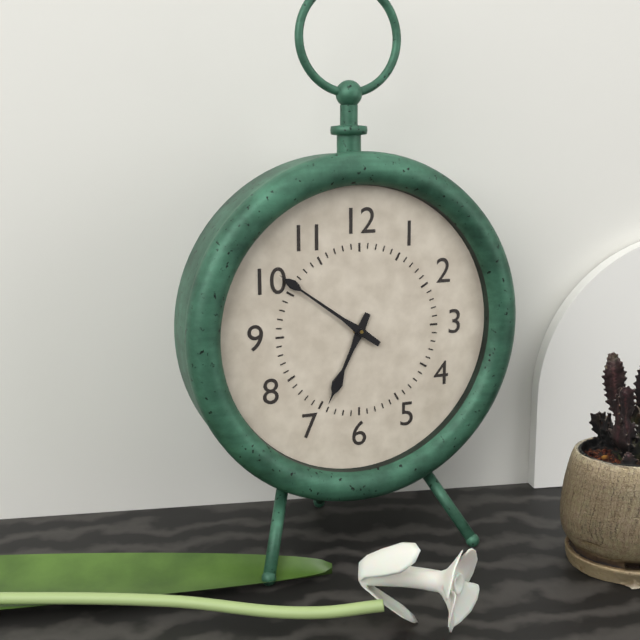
6:51
